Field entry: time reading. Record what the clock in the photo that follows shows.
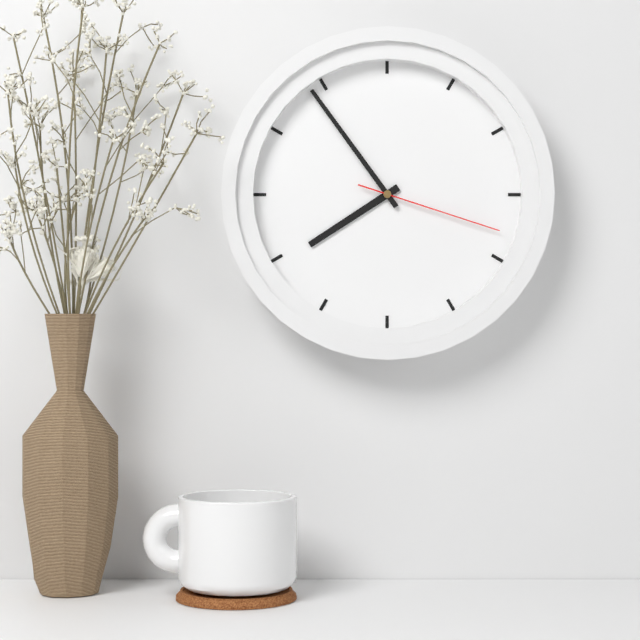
7:54:18
